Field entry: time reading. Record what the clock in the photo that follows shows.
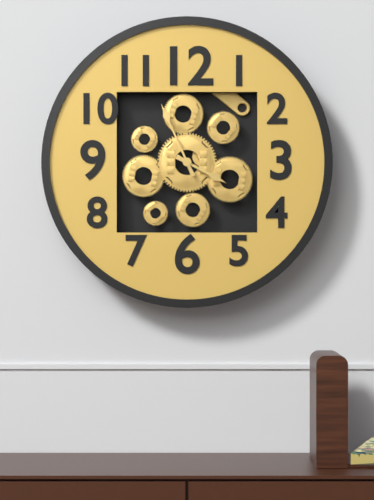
3:56
